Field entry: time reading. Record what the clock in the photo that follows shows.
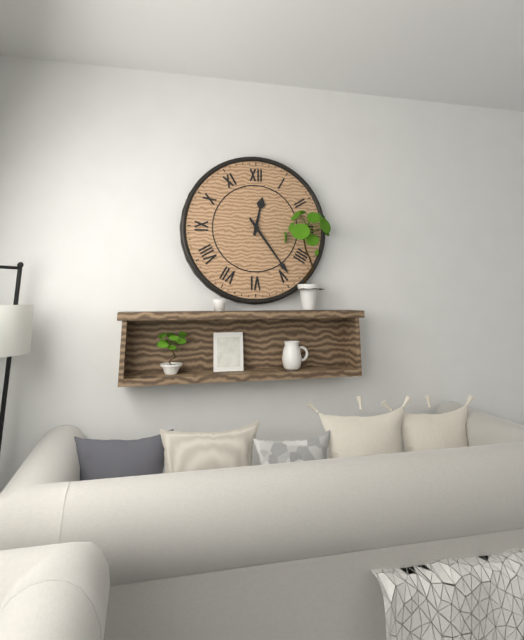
12:24
